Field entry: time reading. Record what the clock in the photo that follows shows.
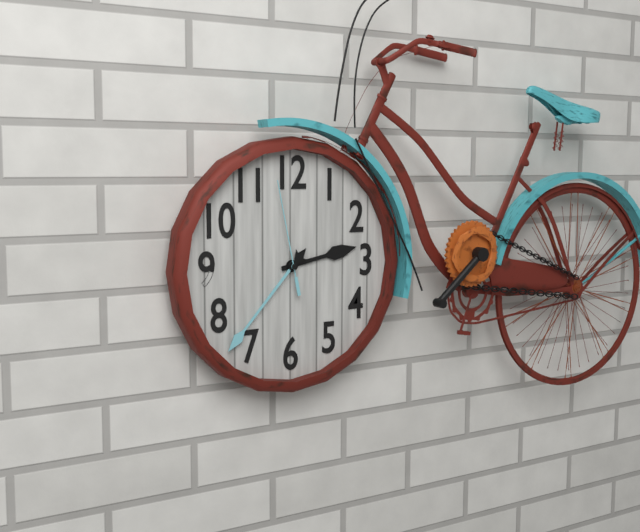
2:37:58
